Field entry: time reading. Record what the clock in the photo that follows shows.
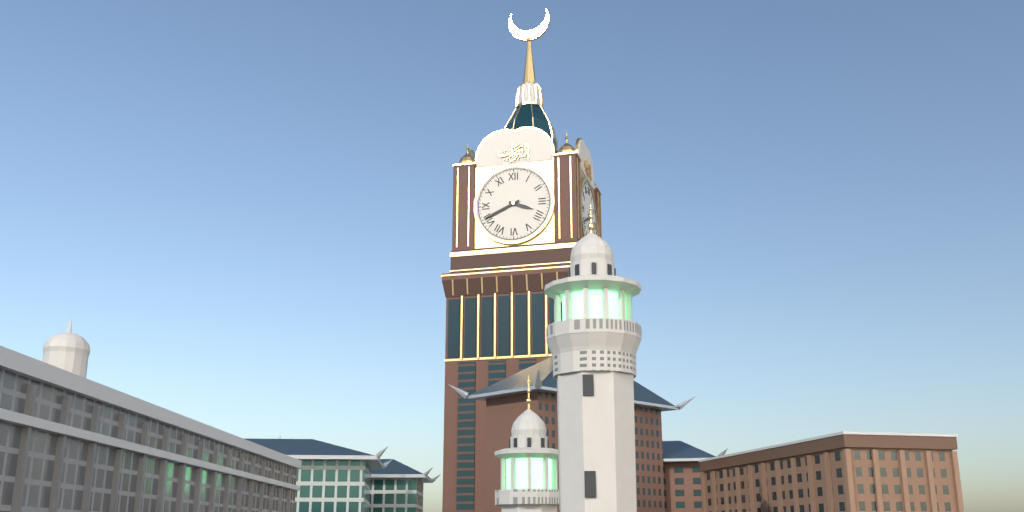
3:41
